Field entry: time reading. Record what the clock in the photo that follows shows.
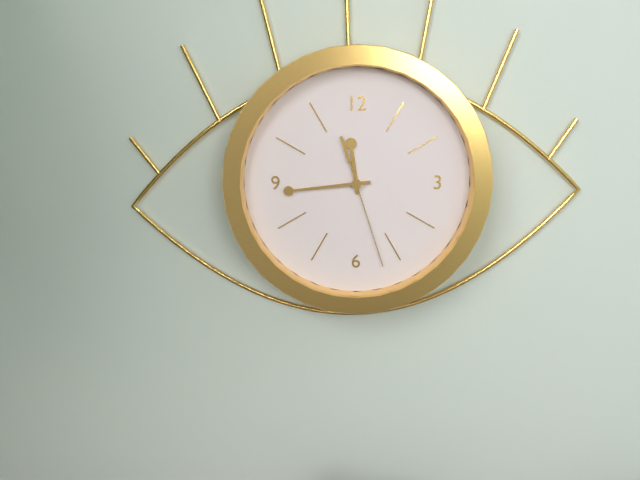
11:44:27
